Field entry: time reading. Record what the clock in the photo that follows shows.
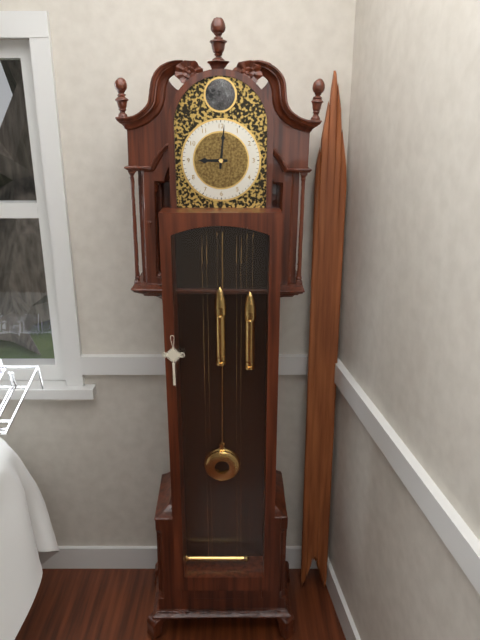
9:01
